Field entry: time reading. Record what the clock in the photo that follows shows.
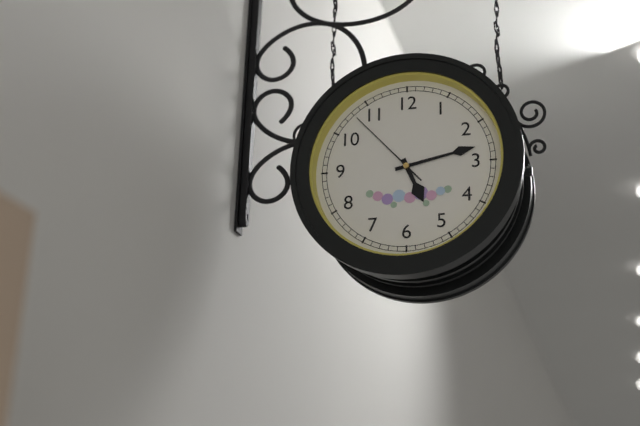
5:13:53
